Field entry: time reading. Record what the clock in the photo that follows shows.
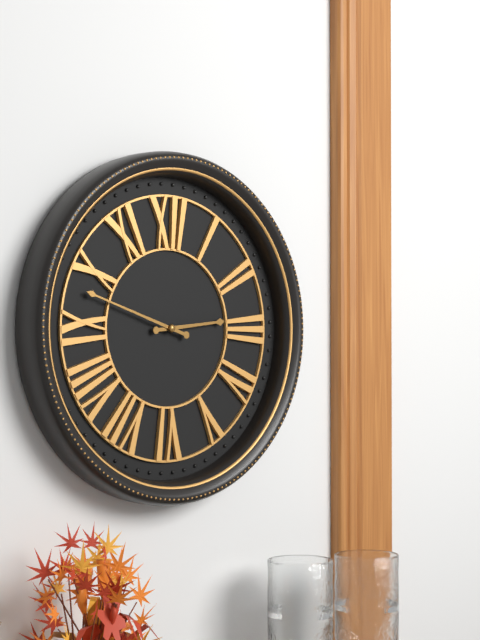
2:48
